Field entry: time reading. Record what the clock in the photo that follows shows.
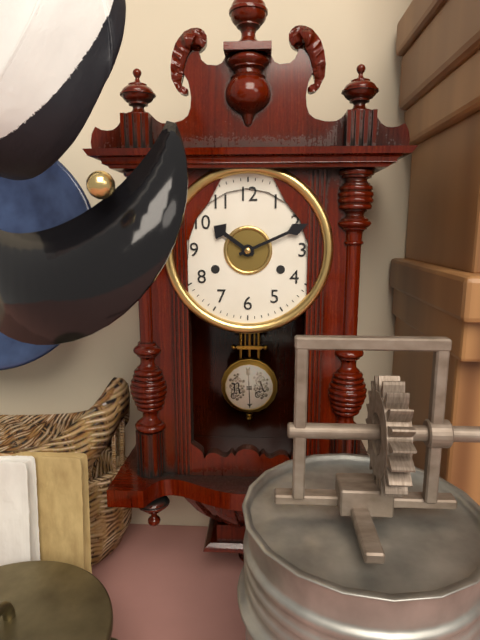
10:11
